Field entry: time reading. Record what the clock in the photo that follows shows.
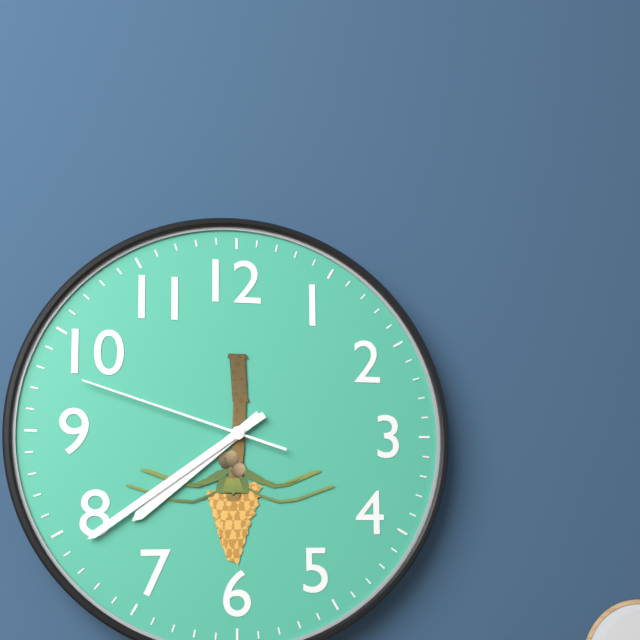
7:39:48
